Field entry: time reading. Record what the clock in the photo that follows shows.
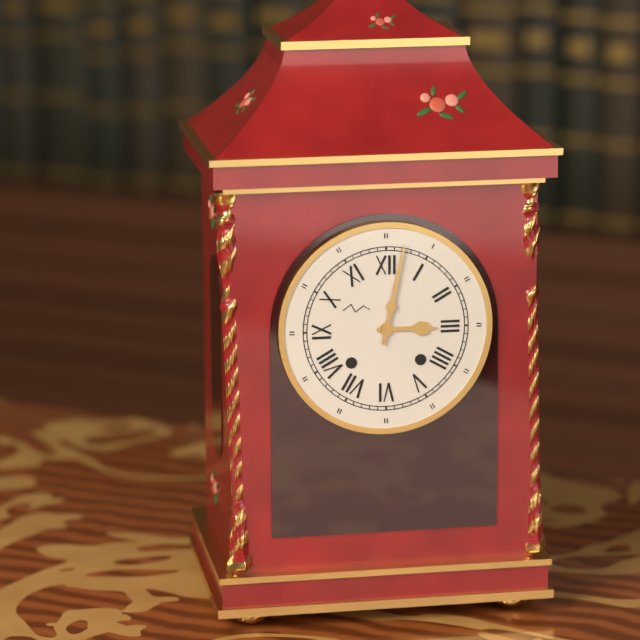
3:02
